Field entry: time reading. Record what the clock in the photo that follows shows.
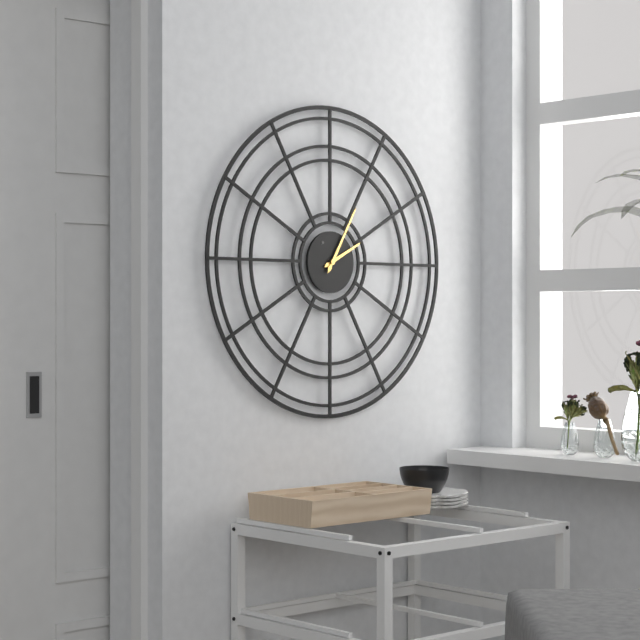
2:05
